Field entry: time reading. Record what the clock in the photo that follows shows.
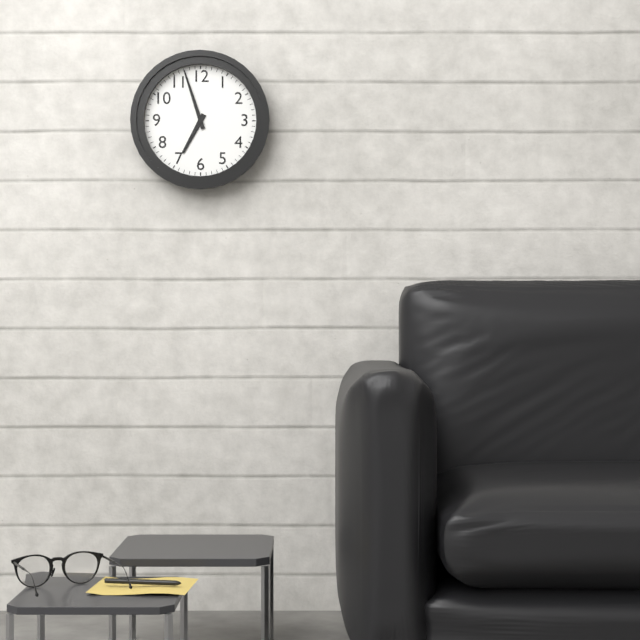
6:57
